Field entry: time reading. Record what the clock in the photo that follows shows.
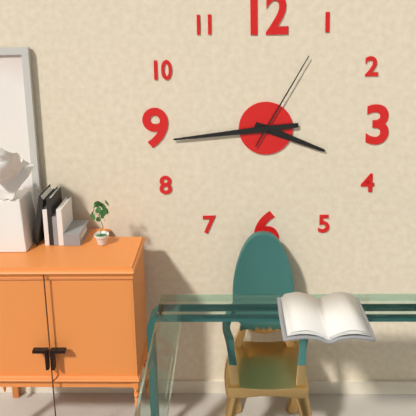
3:44:05
